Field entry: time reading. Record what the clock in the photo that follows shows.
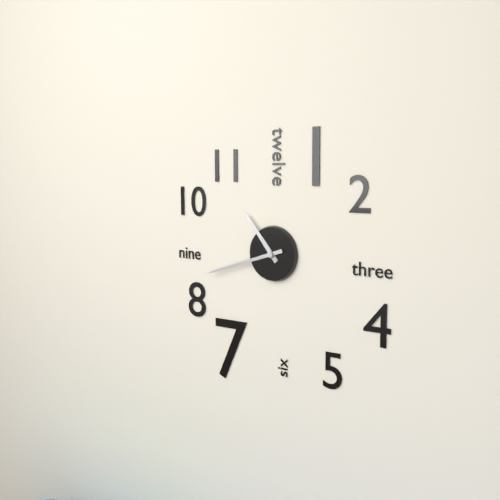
10:42
